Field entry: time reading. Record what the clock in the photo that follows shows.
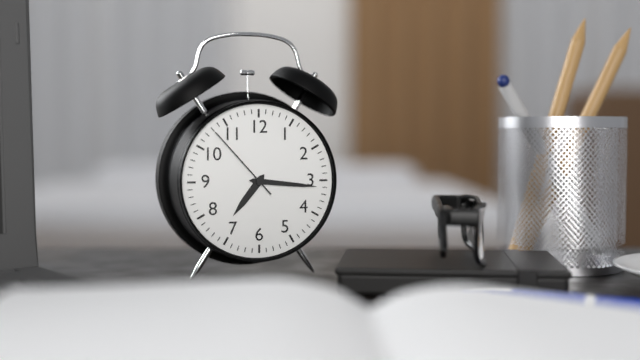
7:16:53
